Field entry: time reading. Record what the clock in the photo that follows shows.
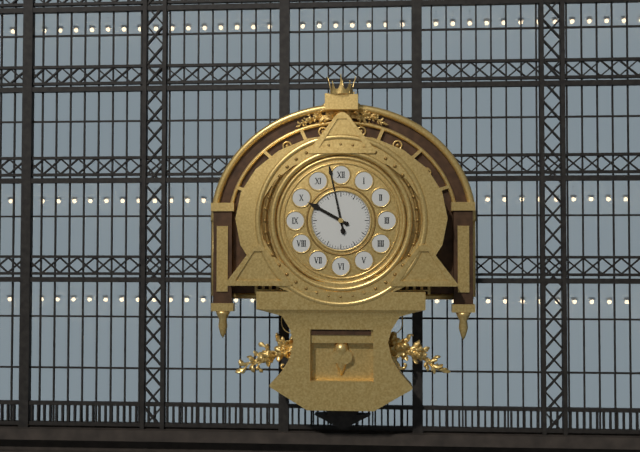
9:58
